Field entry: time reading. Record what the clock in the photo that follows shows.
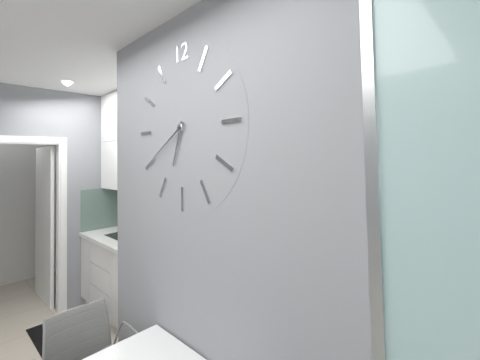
6:40
